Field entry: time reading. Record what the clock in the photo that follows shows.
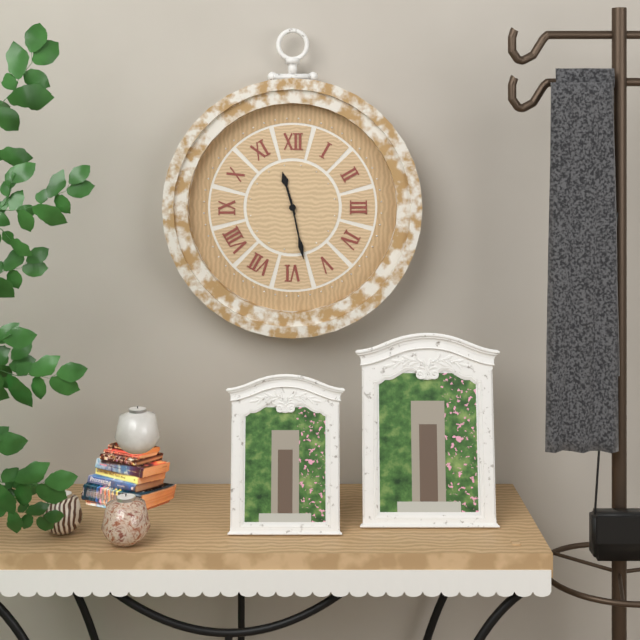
11:28
